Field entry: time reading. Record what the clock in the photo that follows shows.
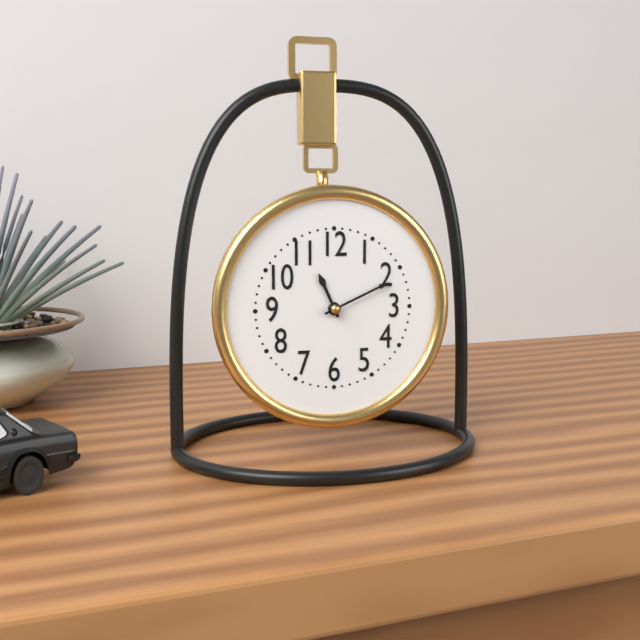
11:11
